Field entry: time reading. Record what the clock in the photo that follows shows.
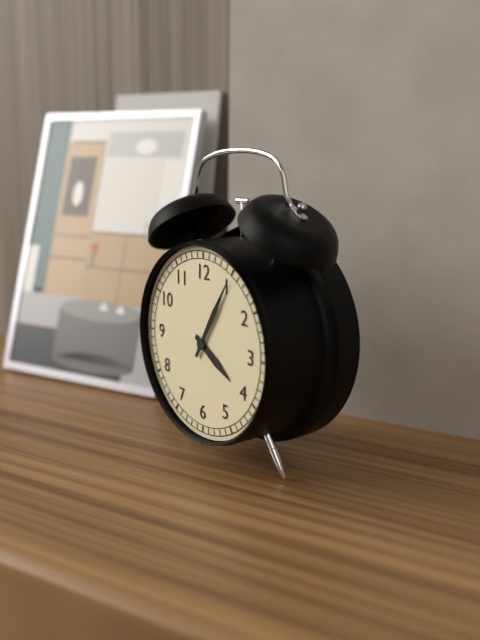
4:05
